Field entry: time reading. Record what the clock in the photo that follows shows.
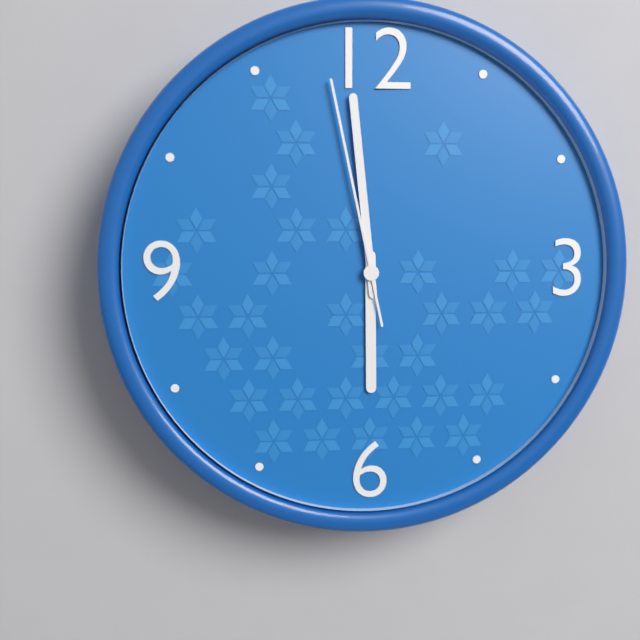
5:59:58
